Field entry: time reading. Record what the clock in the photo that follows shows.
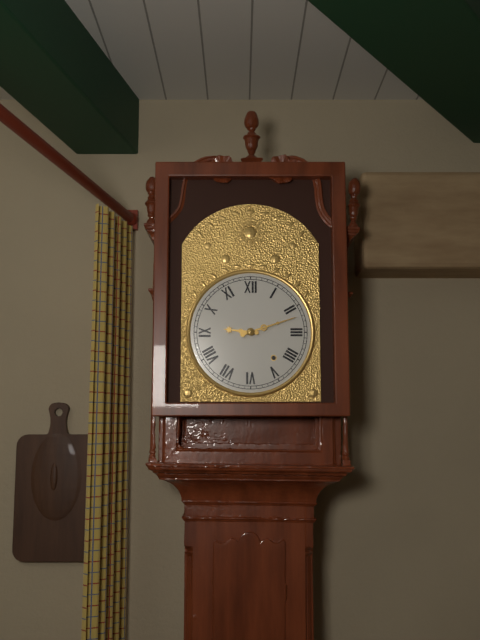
9:12
